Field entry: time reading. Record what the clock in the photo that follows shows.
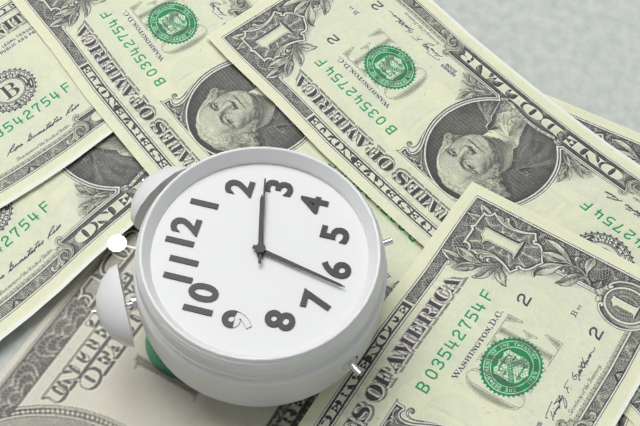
2:32:13
